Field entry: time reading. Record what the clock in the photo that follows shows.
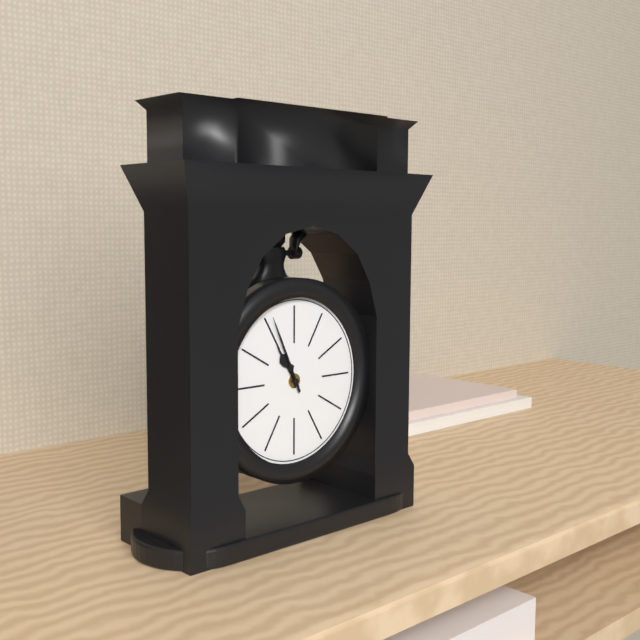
10:56
